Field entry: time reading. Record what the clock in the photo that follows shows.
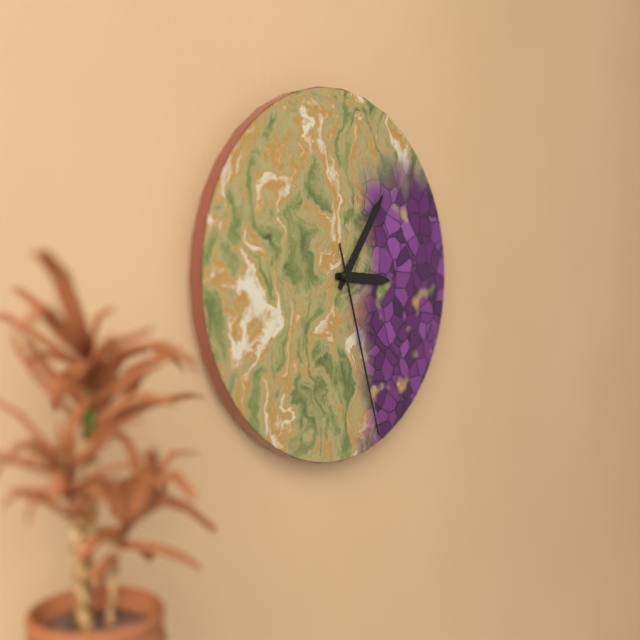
3:06:27
